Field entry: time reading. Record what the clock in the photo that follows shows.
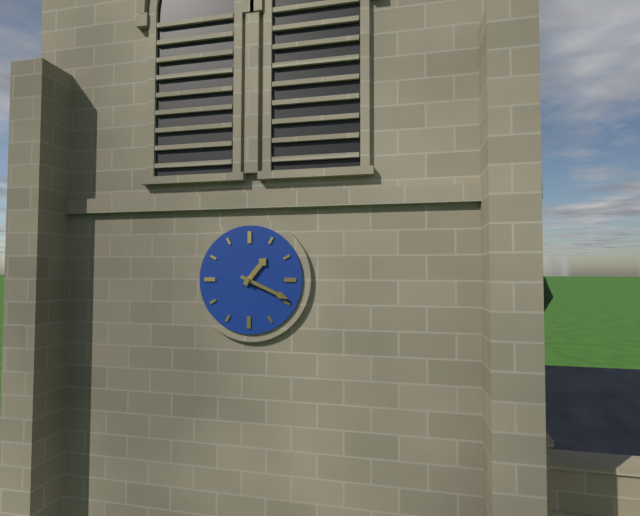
1:19
